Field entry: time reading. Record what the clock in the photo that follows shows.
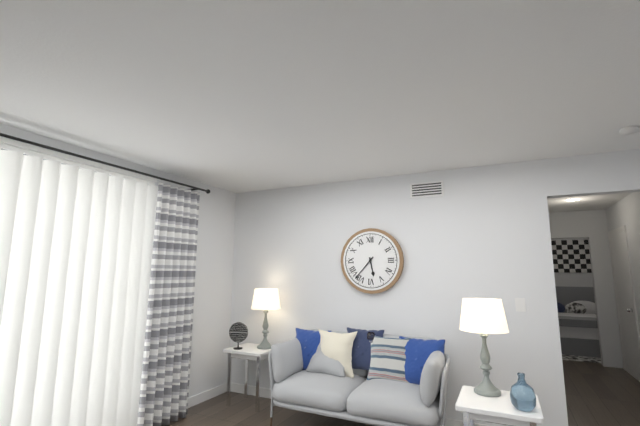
5:37
